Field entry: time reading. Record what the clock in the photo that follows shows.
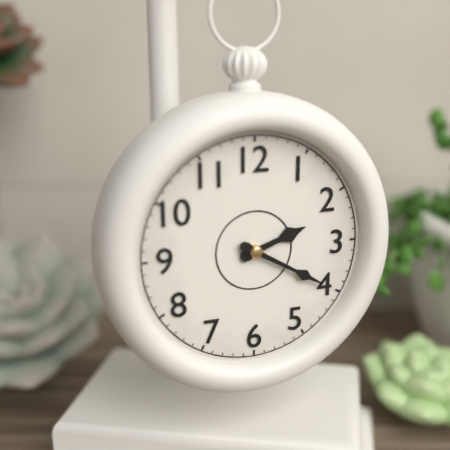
2:20
